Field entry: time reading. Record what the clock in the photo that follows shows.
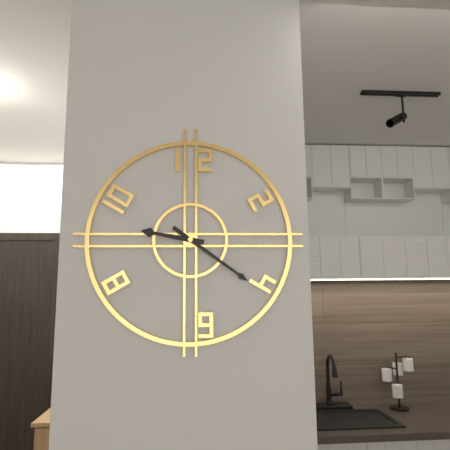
9:21
